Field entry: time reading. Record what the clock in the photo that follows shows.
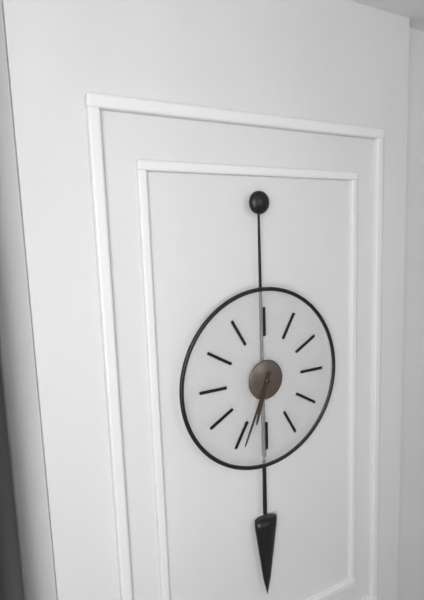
6:34
